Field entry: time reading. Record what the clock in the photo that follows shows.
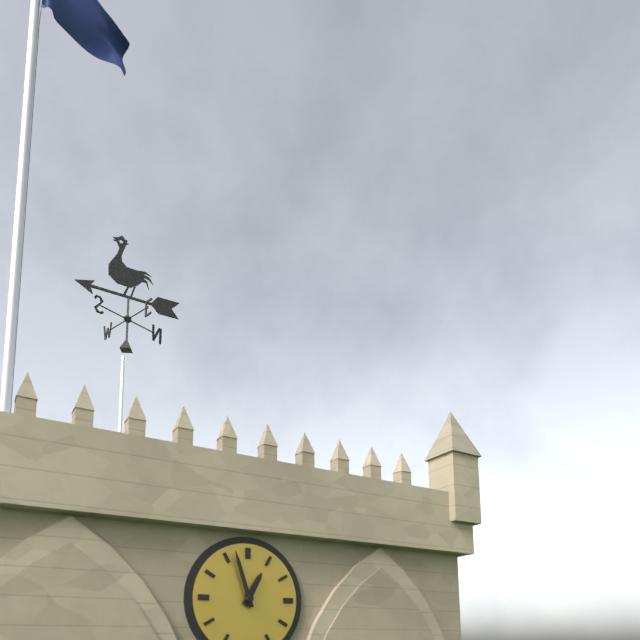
12:57
